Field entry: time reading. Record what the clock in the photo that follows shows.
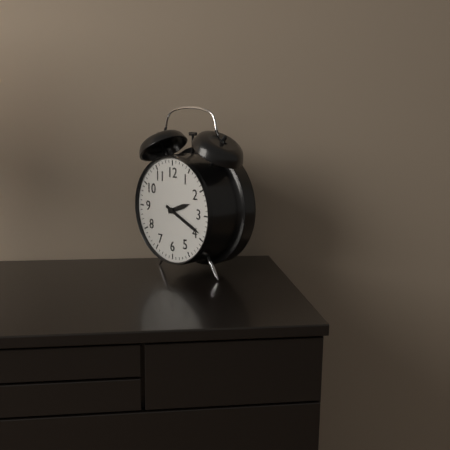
2:19
